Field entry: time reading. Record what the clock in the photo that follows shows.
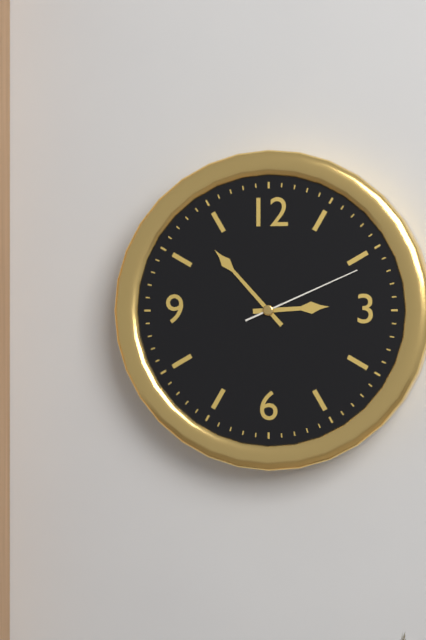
2:53:11
